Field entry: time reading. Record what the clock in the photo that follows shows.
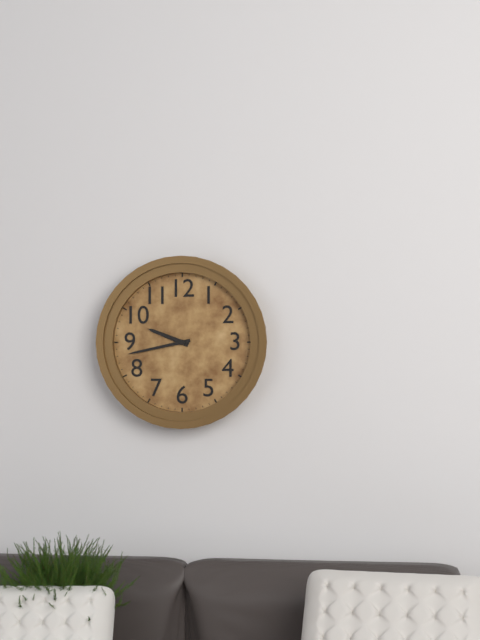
9:43
